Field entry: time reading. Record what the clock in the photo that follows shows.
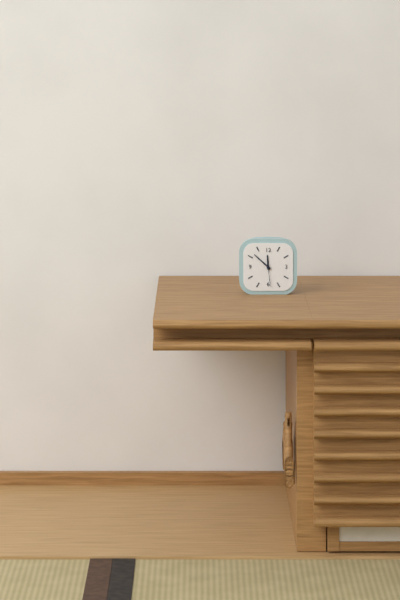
11:52
